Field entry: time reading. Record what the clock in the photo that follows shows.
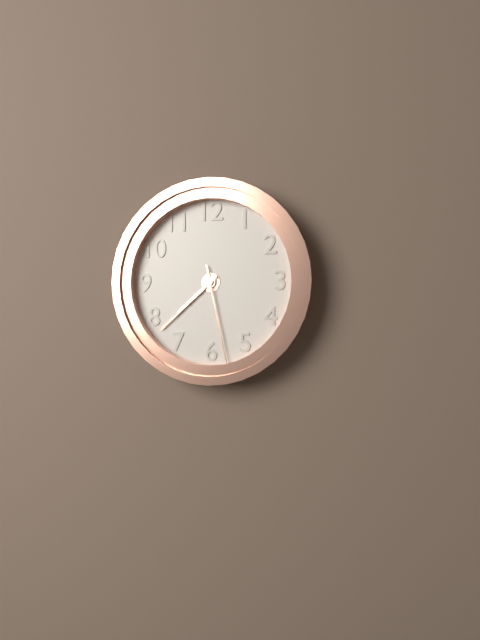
7:38:28
